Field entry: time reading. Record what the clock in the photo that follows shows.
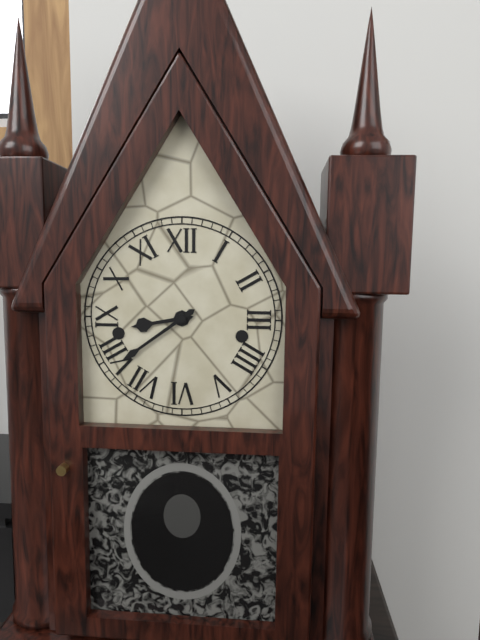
8:39
